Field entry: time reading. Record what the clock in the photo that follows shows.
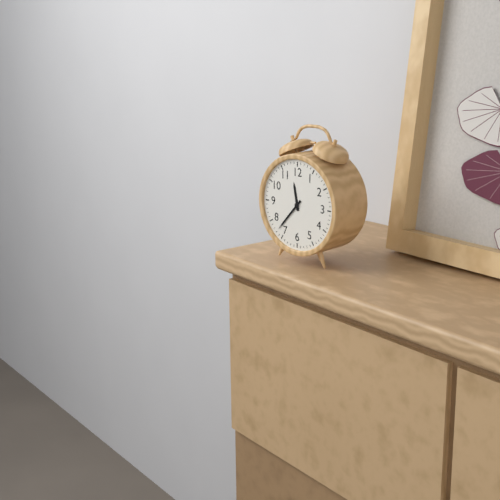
11:37
